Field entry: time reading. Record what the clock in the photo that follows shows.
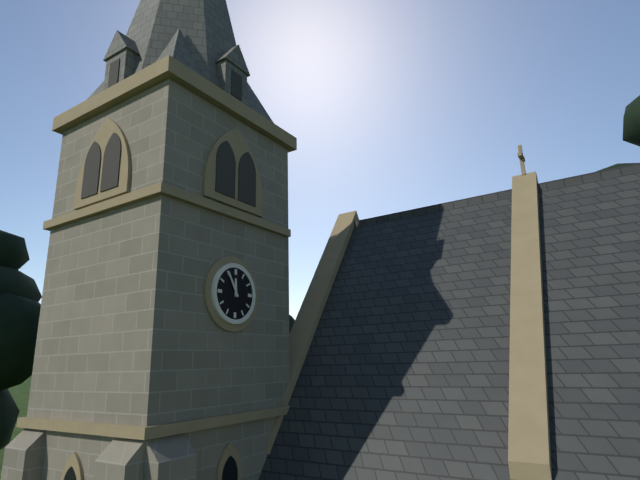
11:55
